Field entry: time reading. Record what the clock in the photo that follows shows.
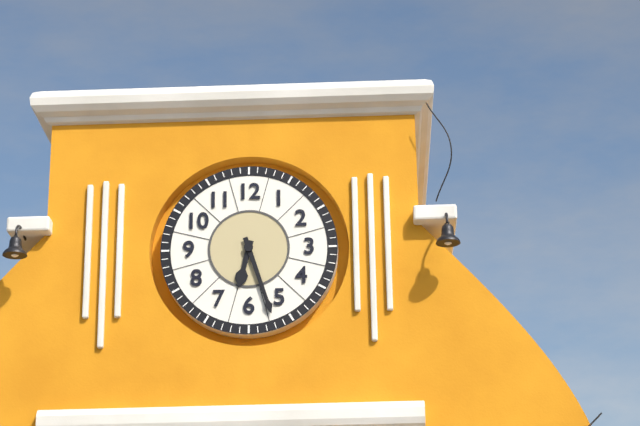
6:27
